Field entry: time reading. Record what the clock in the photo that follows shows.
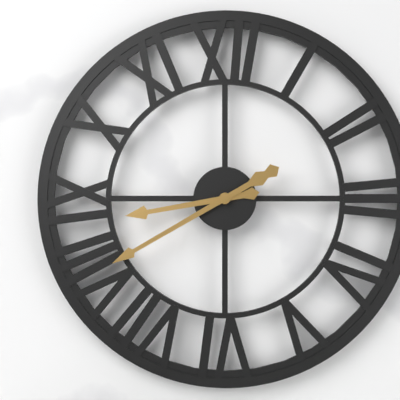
8:40
